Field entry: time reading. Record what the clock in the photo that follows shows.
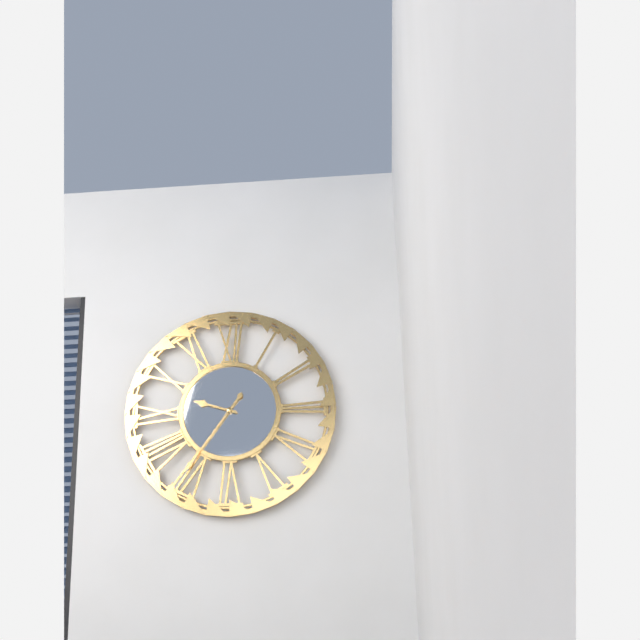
9:36
